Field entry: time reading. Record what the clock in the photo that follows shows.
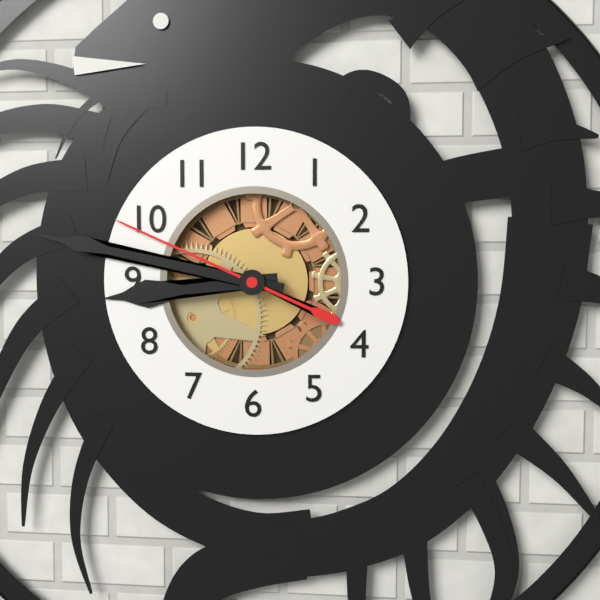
8:47:49
